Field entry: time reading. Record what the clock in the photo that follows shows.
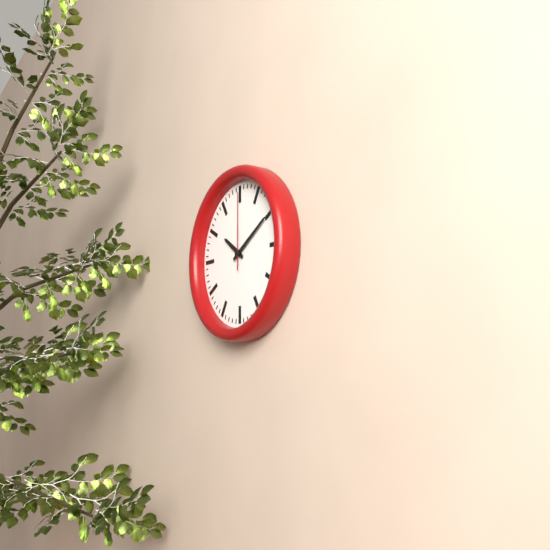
10:10:00
